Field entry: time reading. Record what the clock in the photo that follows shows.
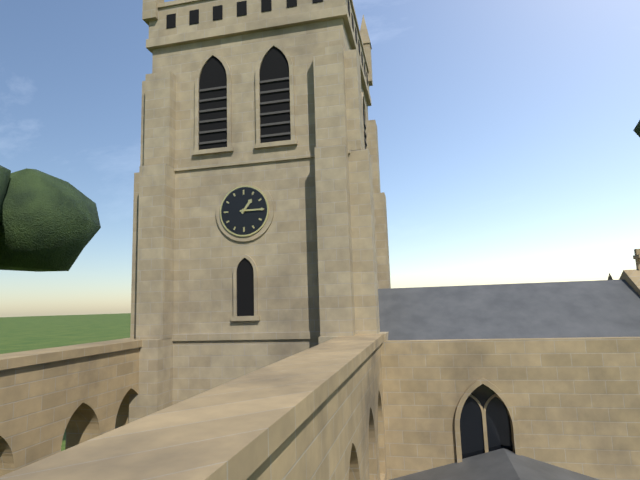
1:15
